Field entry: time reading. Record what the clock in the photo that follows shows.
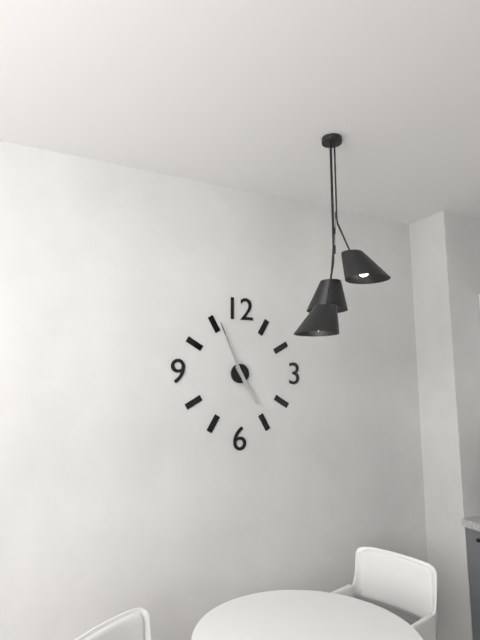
4:56
